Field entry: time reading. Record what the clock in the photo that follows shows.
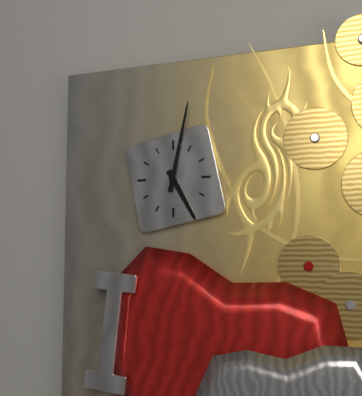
5:02
